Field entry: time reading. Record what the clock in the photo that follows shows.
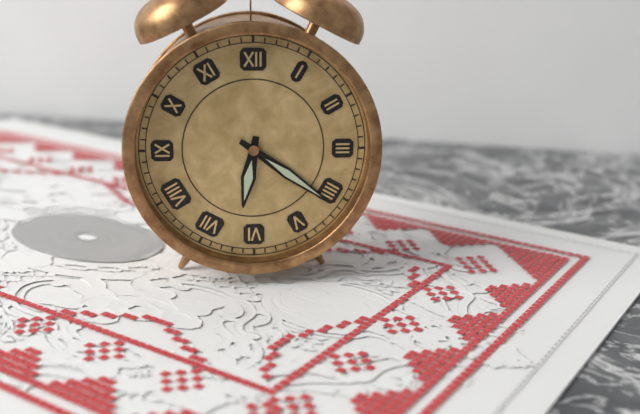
6:21
